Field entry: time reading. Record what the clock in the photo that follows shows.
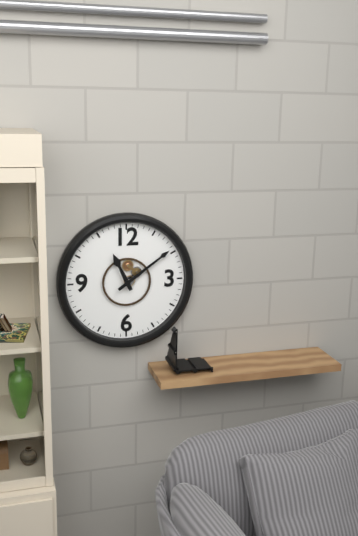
11:09
